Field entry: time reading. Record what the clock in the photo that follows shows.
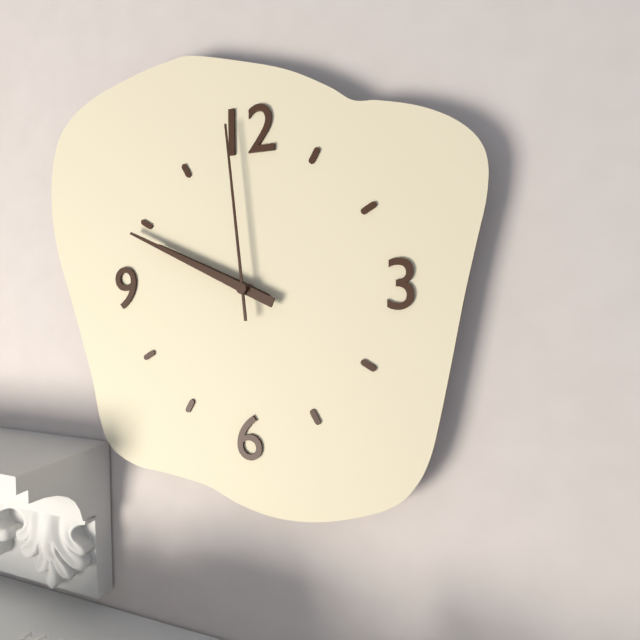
9:49:59
